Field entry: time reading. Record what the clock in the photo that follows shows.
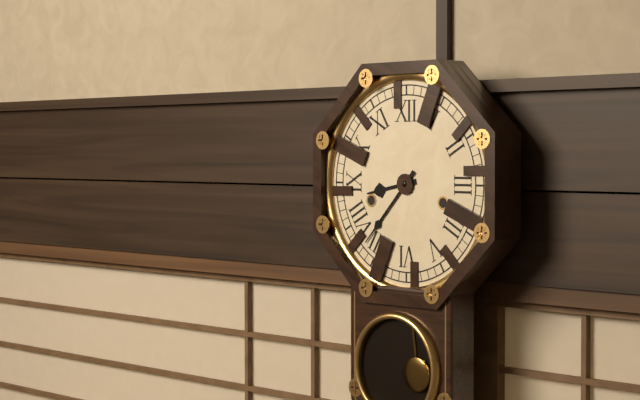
8:37
